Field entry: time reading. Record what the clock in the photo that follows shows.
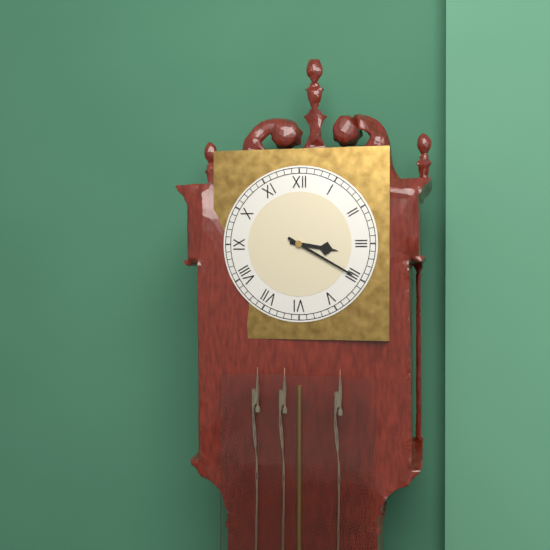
3:20
